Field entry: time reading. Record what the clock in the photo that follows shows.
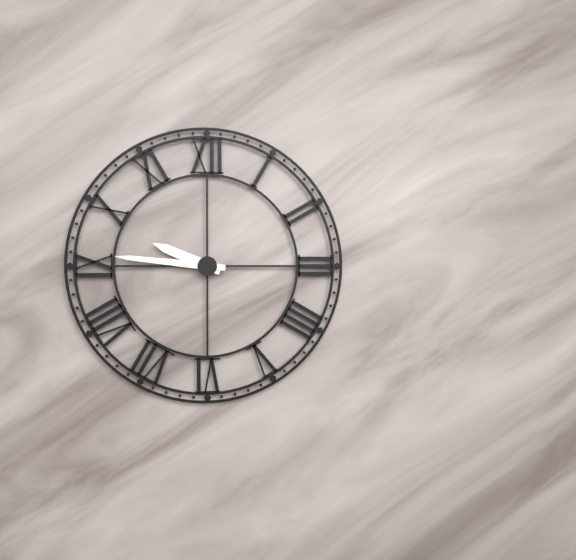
9:46
